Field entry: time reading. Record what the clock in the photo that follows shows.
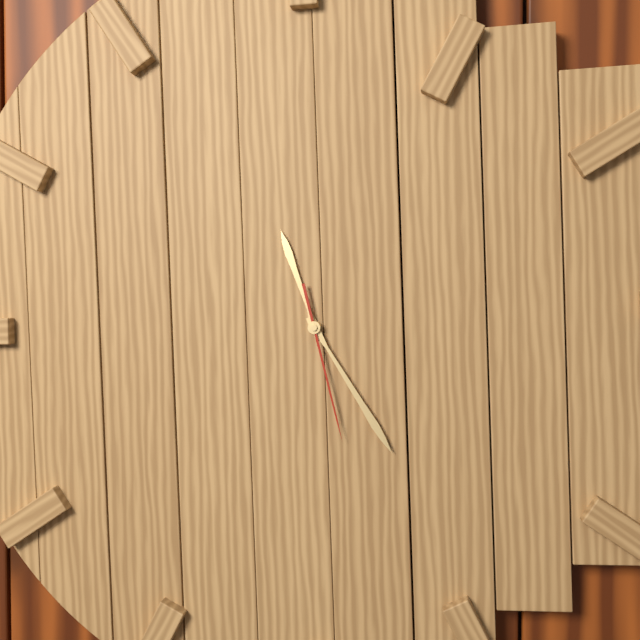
11:25:28
